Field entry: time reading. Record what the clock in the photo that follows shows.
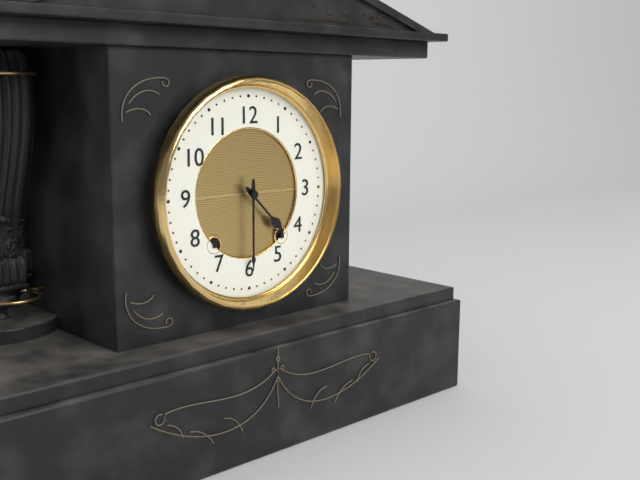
4:30
